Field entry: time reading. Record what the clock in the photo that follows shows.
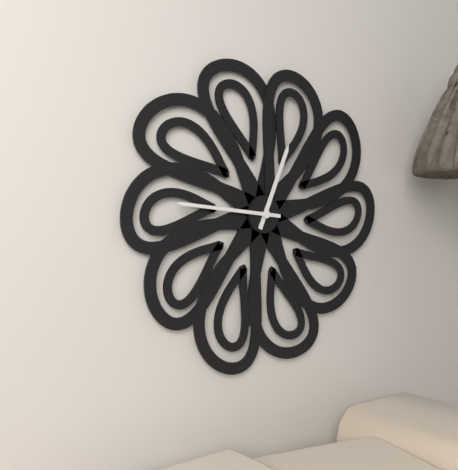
12:46
